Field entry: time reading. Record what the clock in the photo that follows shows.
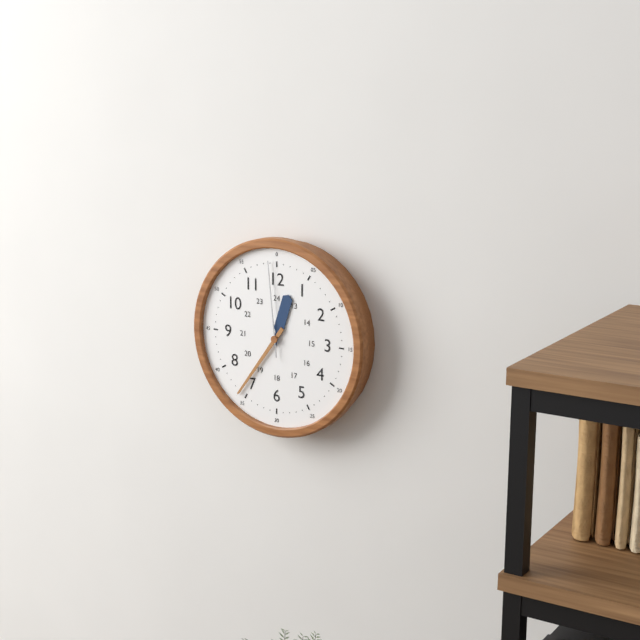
12:36:59
